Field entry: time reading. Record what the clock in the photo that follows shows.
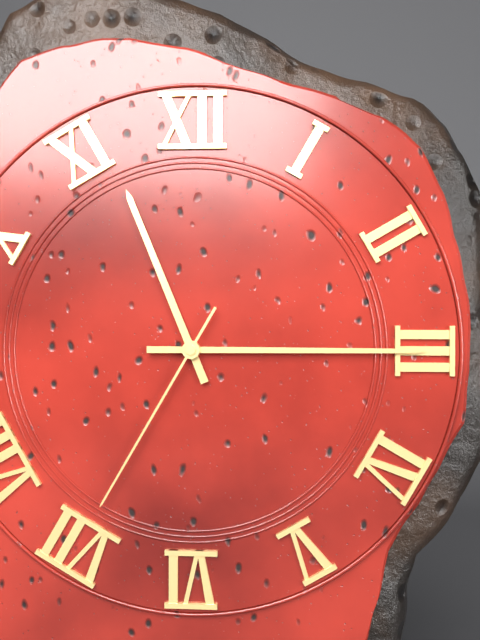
11:15:35
